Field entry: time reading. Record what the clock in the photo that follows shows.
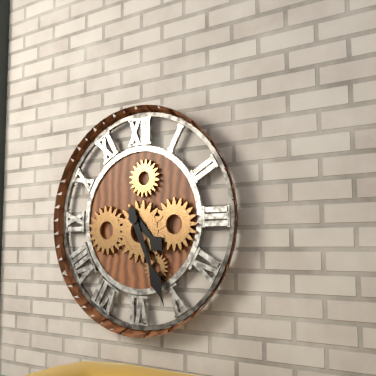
4:26
